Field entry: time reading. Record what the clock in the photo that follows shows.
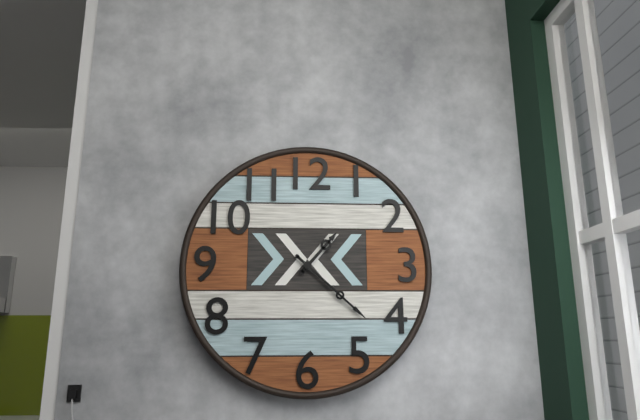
1:22
